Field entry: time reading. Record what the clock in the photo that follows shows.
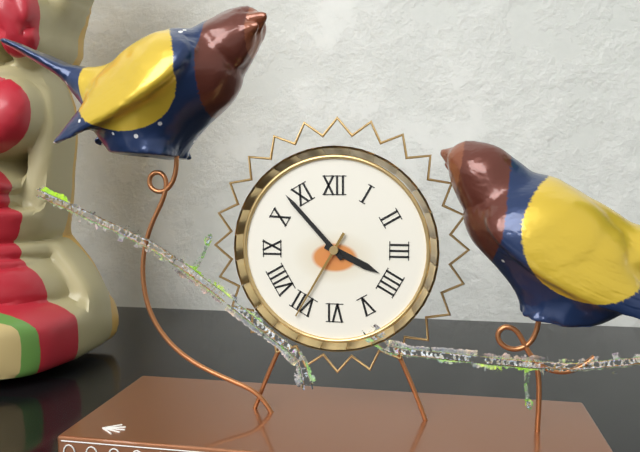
3:53:35
